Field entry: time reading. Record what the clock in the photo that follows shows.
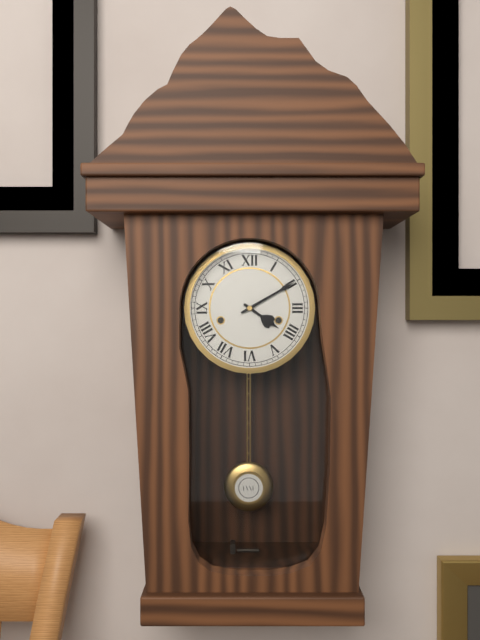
4:10
